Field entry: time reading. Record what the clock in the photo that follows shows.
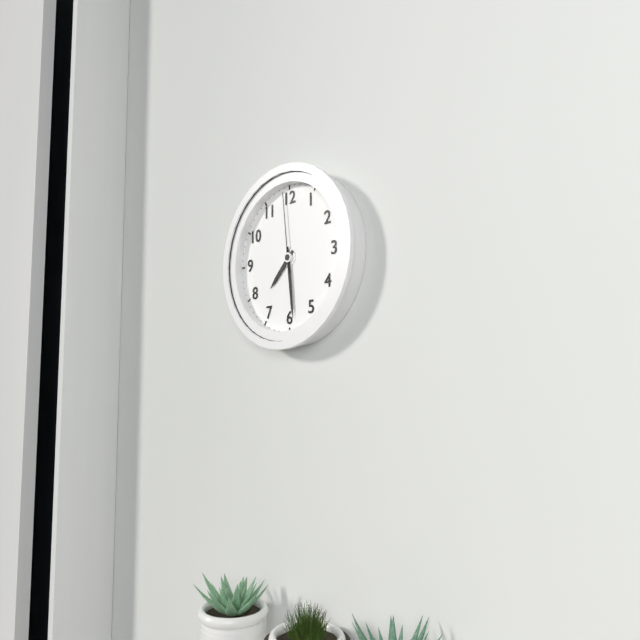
7:29:59
